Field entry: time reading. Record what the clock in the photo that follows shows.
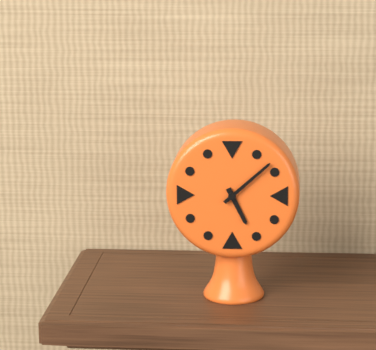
5:08
